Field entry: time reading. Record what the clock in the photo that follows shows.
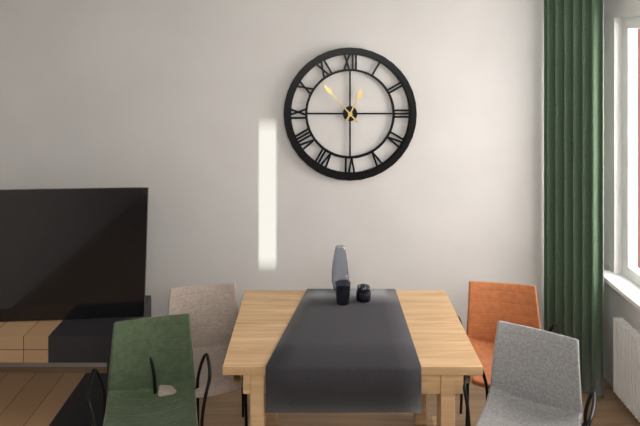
12:53
